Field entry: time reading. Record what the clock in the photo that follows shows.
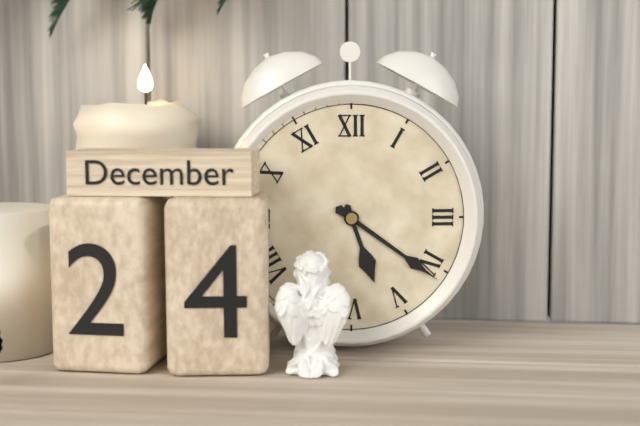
5:21
